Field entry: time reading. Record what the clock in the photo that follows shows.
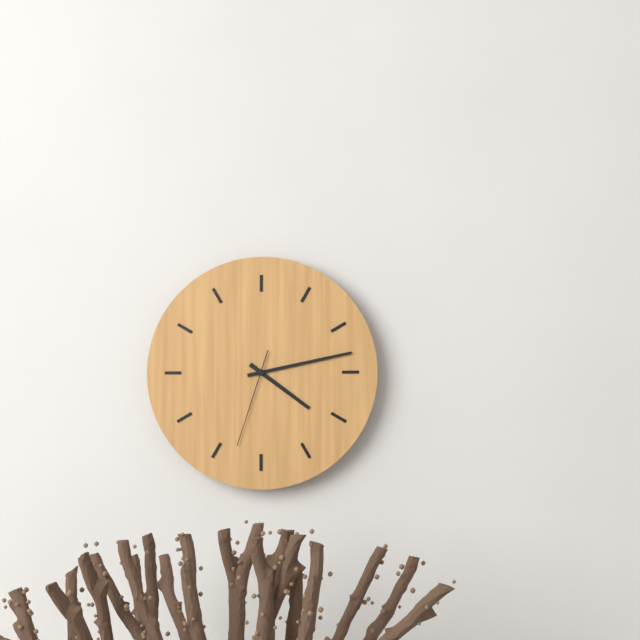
4:13:33
